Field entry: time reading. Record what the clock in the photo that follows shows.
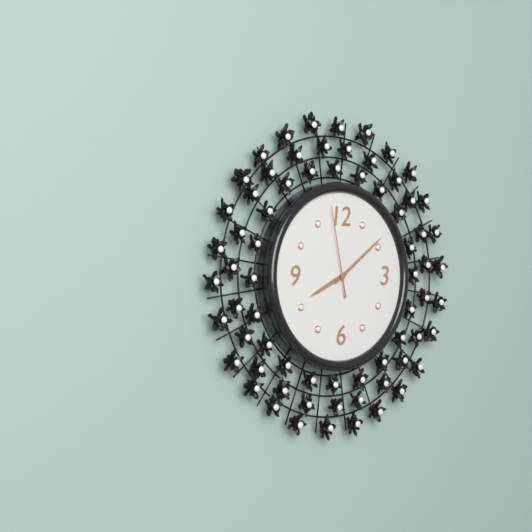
8:09:58
